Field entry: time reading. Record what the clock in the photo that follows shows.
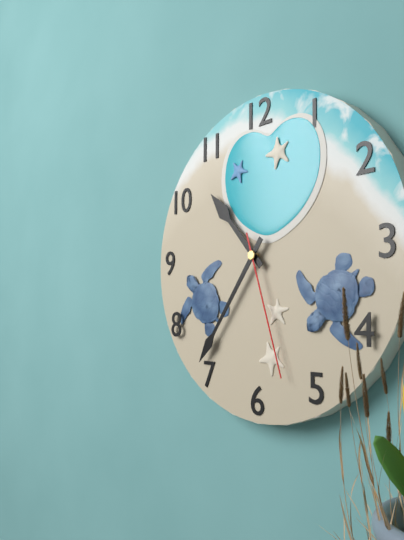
10:36:27
